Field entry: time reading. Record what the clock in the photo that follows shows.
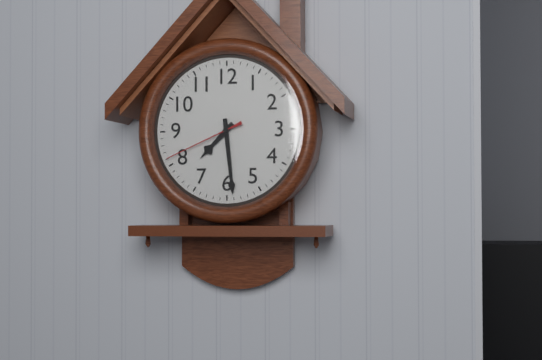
7:29:41
